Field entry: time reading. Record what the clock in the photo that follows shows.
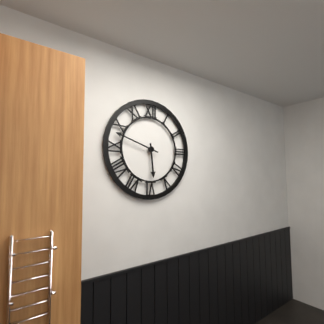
5:48
